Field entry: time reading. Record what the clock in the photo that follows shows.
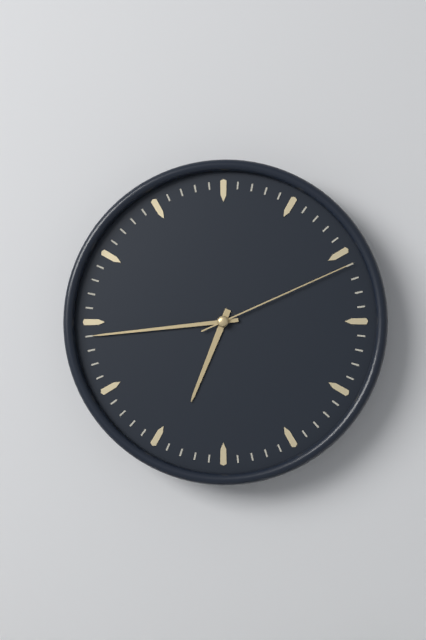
6:44:11
